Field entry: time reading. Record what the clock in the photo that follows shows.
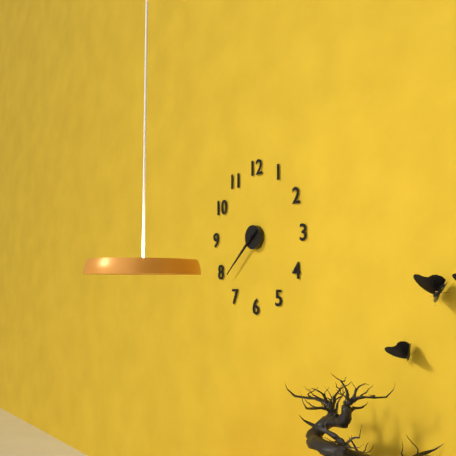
7:38
